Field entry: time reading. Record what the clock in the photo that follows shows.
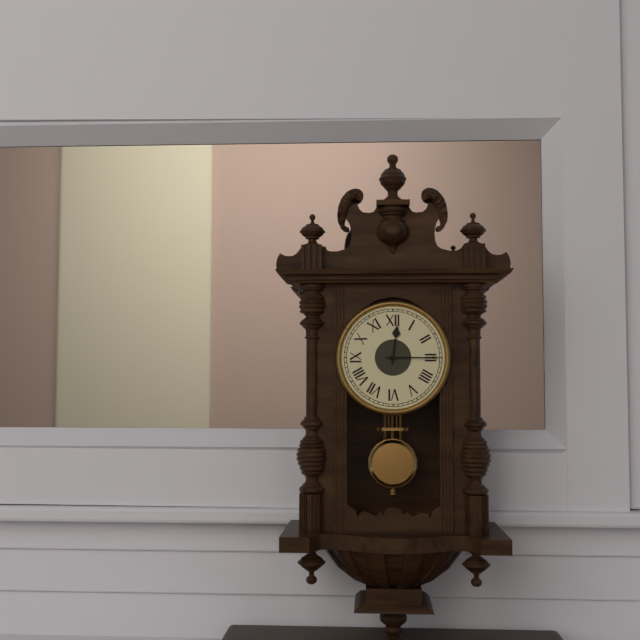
12:15
